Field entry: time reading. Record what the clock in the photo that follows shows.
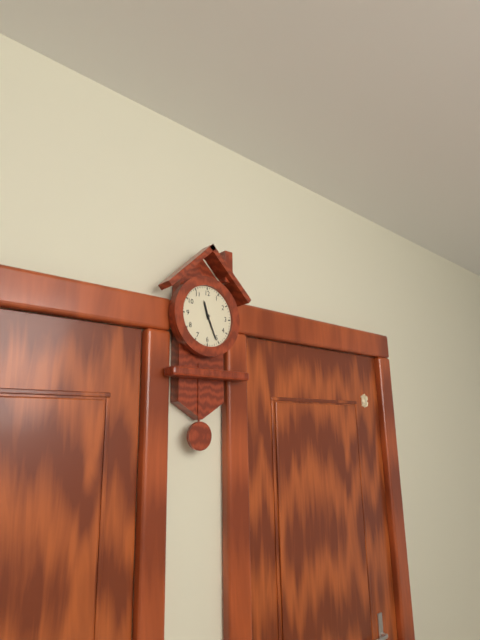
11:26
